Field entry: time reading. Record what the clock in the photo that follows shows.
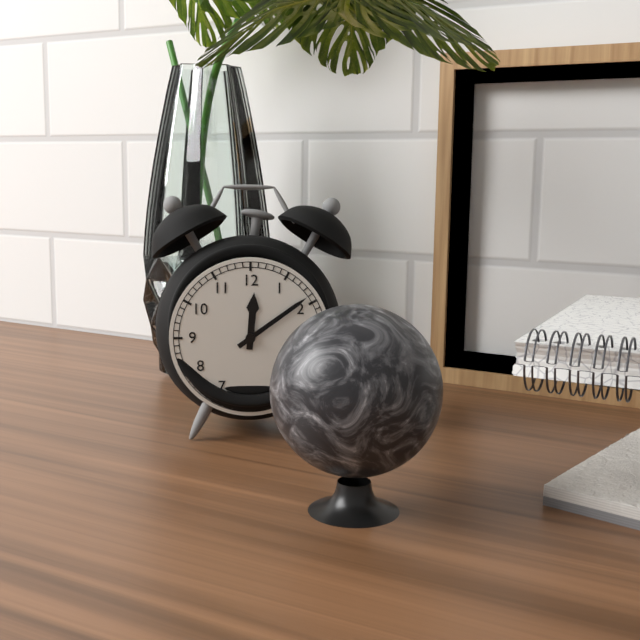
12:09
